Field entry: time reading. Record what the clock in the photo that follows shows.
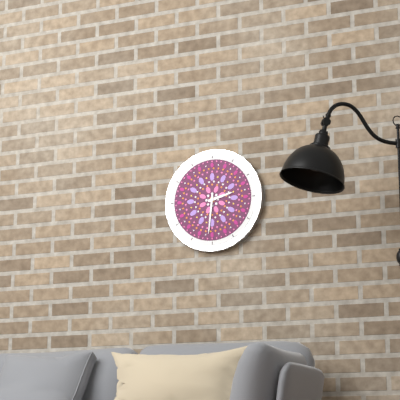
2:31
